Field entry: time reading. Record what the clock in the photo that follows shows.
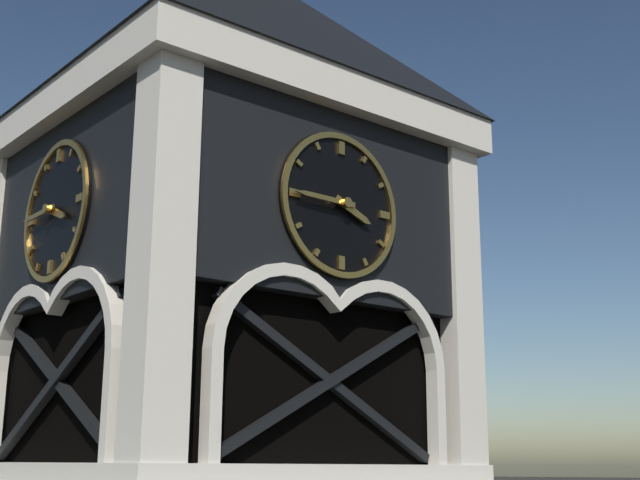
3:45
